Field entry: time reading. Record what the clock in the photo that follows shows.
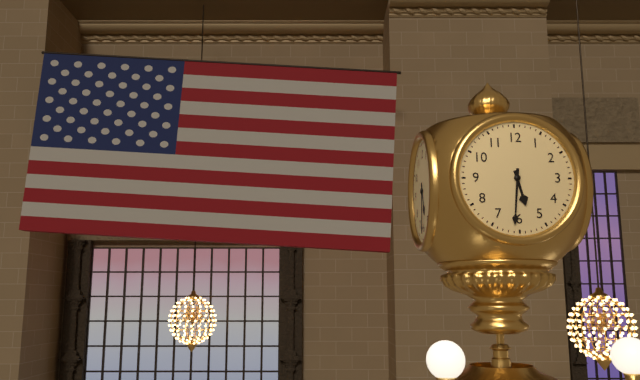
5:31
